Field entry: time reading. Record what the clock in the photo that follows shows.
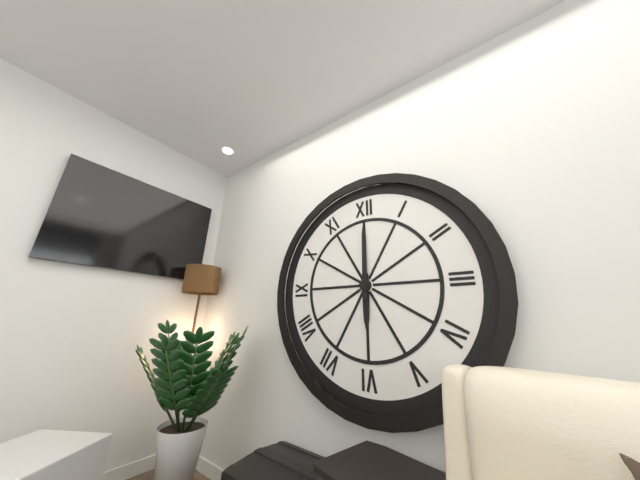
6:00
